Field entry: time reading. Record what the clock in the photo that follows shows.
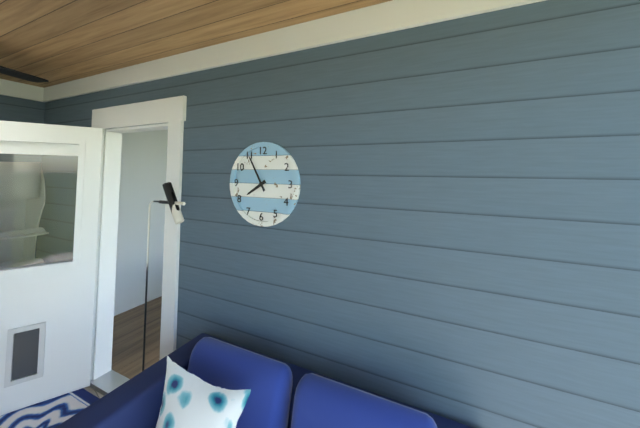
7:55
